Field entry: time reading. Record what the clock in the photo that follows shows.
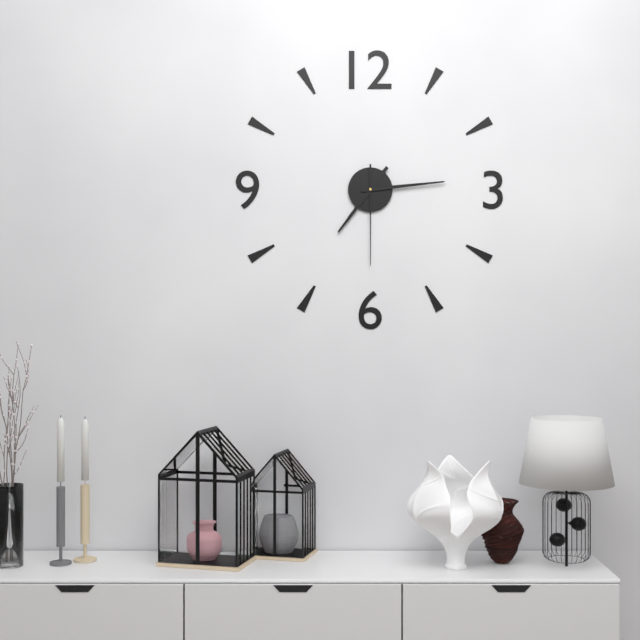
7:14:30
